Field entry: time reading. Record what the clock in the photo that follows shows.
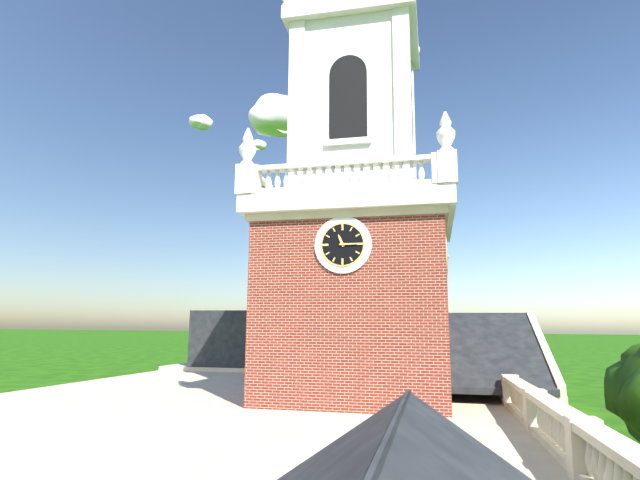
11:15
